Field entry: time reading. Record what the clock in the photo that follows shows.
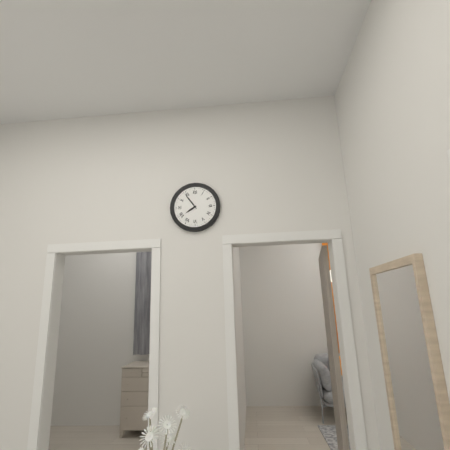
7:54
